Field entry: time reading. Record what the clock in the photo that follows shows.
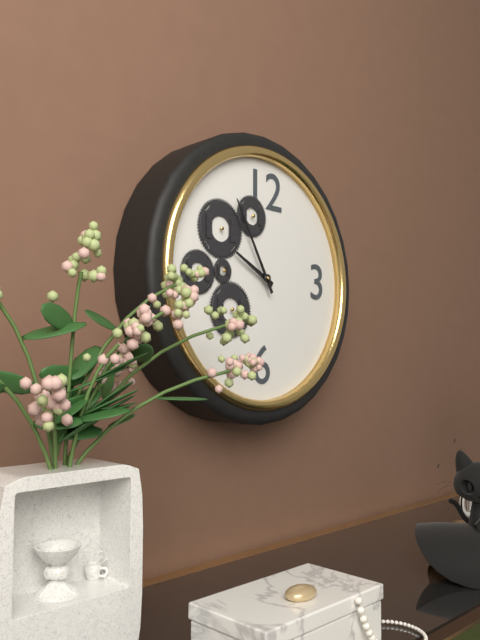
9:55
